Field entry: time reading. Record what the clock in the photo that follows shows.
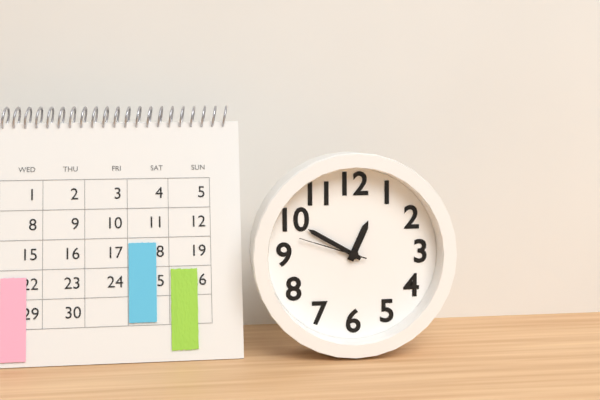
12:50:48
